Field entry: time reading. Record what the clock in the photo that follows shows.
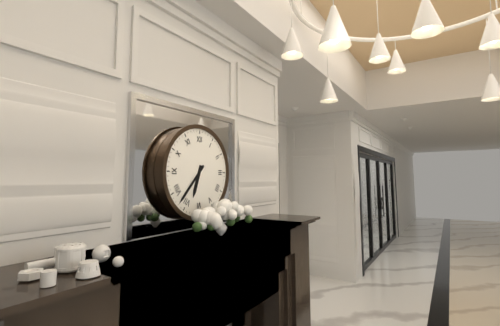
6:37
